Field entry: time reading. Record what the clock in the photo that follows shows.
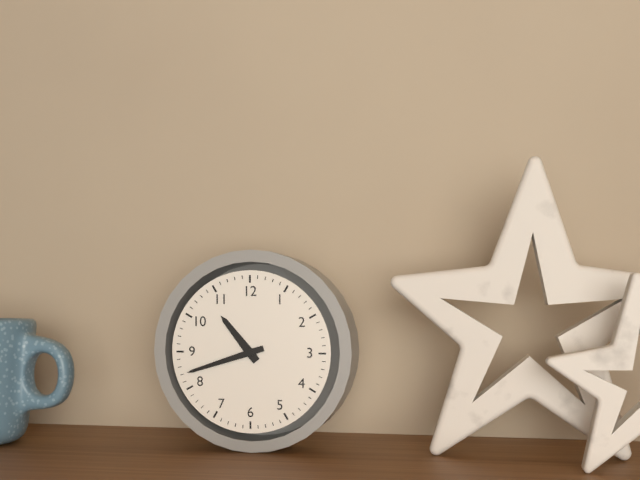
10:42
